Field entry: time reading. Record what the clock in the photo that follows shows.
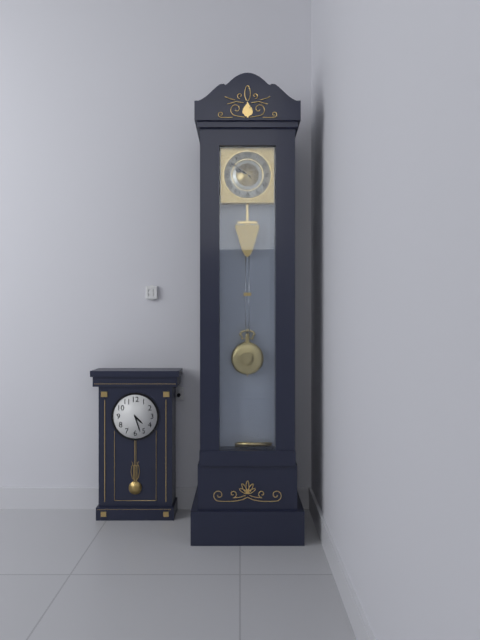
9:51
